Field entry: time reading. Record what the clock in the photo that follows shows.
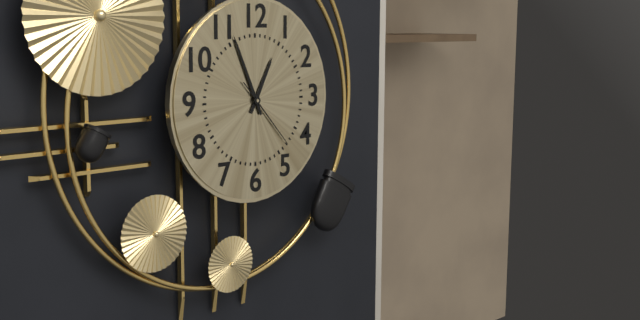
12:56:23
